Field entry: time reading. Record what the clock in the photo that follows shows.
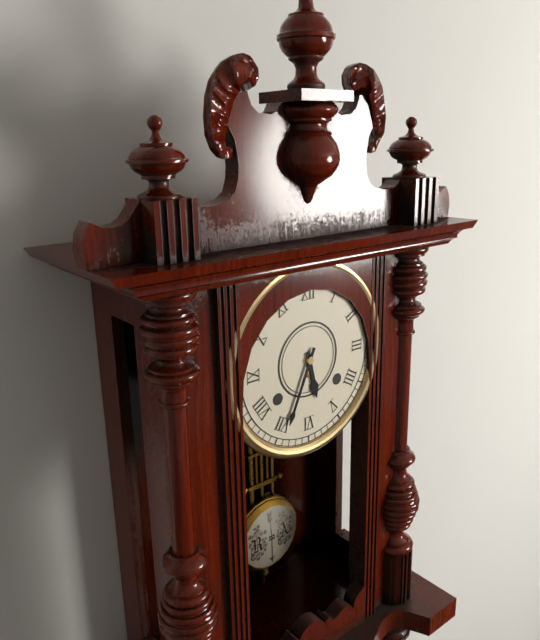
5:34
